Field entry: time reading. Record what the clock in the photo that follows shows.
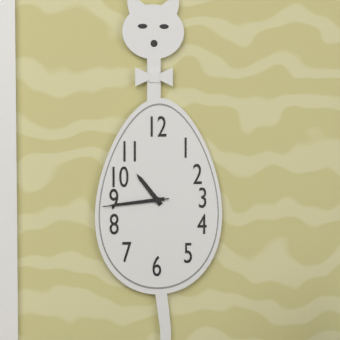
10:44:44
